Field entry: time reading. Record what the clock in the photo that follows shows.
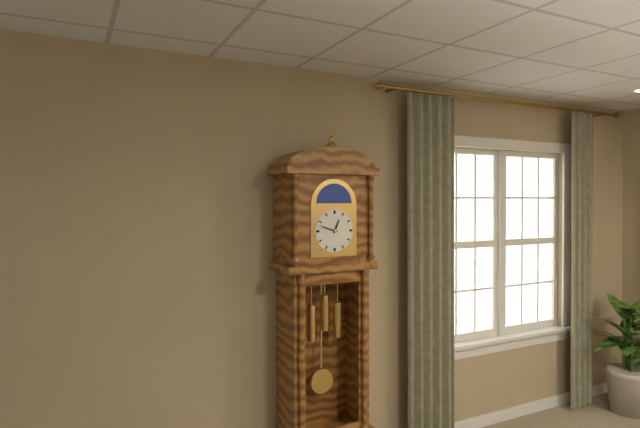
12:48
